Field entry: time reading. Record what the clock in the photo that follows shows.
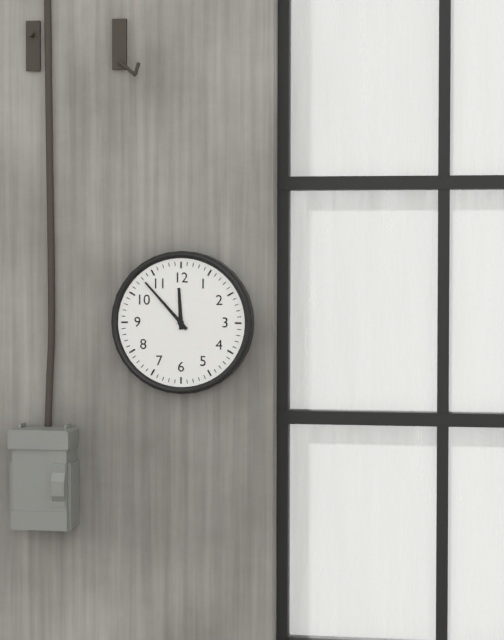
11:53
